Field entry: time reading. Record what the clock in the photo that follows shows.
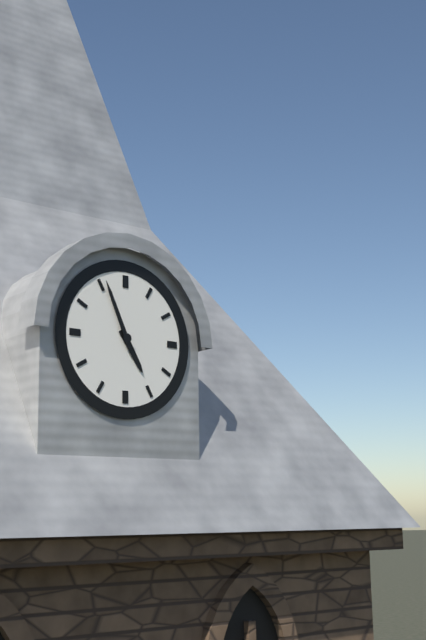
4:56
